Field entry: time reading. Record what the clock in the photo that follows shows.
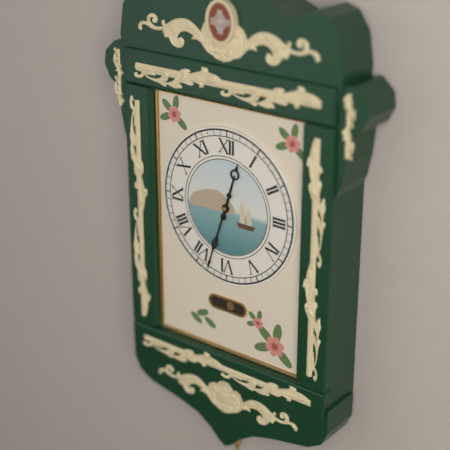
12:33
